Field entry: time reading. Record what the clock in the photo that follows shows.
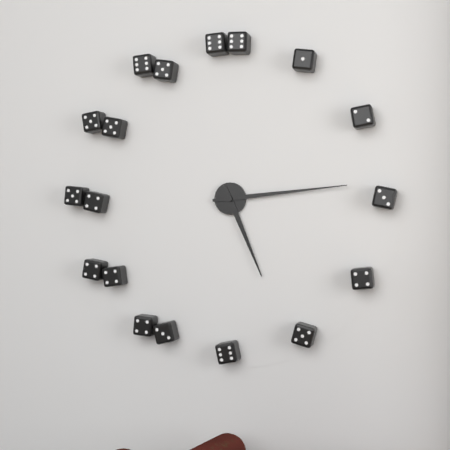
5:14
